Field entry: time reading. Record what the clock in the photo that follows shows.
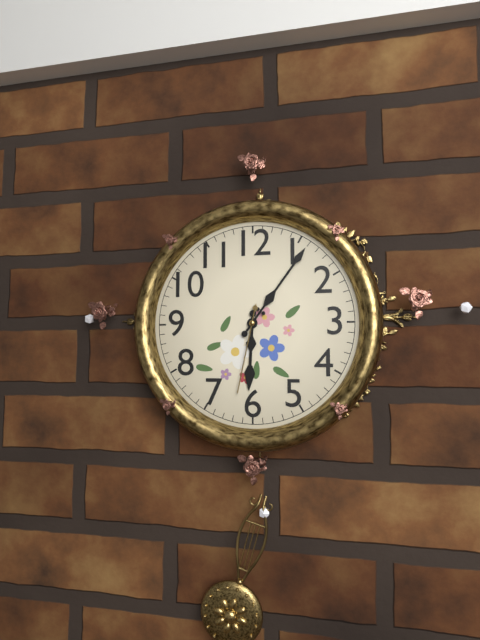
6:06:32
